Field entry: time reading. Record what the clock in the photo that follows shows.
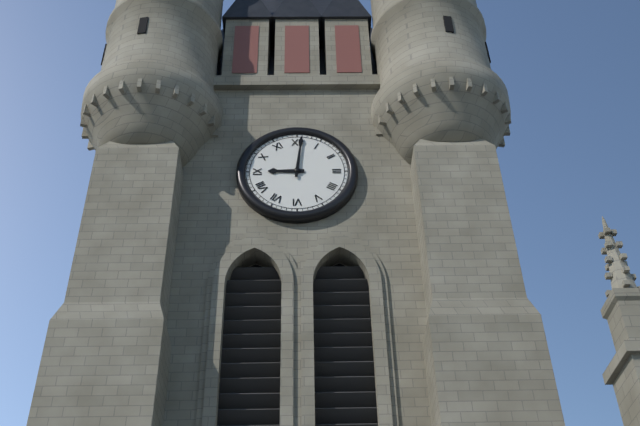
9:01
